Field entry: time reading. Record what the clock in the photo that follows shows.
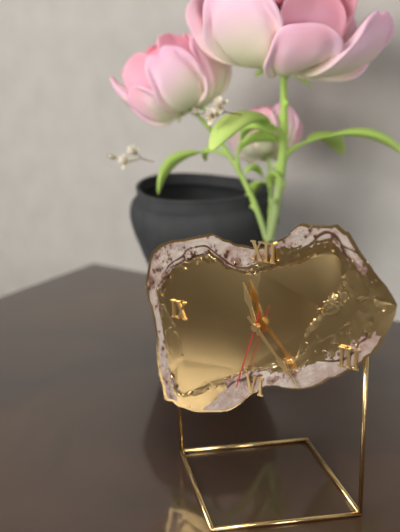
11:23:33
